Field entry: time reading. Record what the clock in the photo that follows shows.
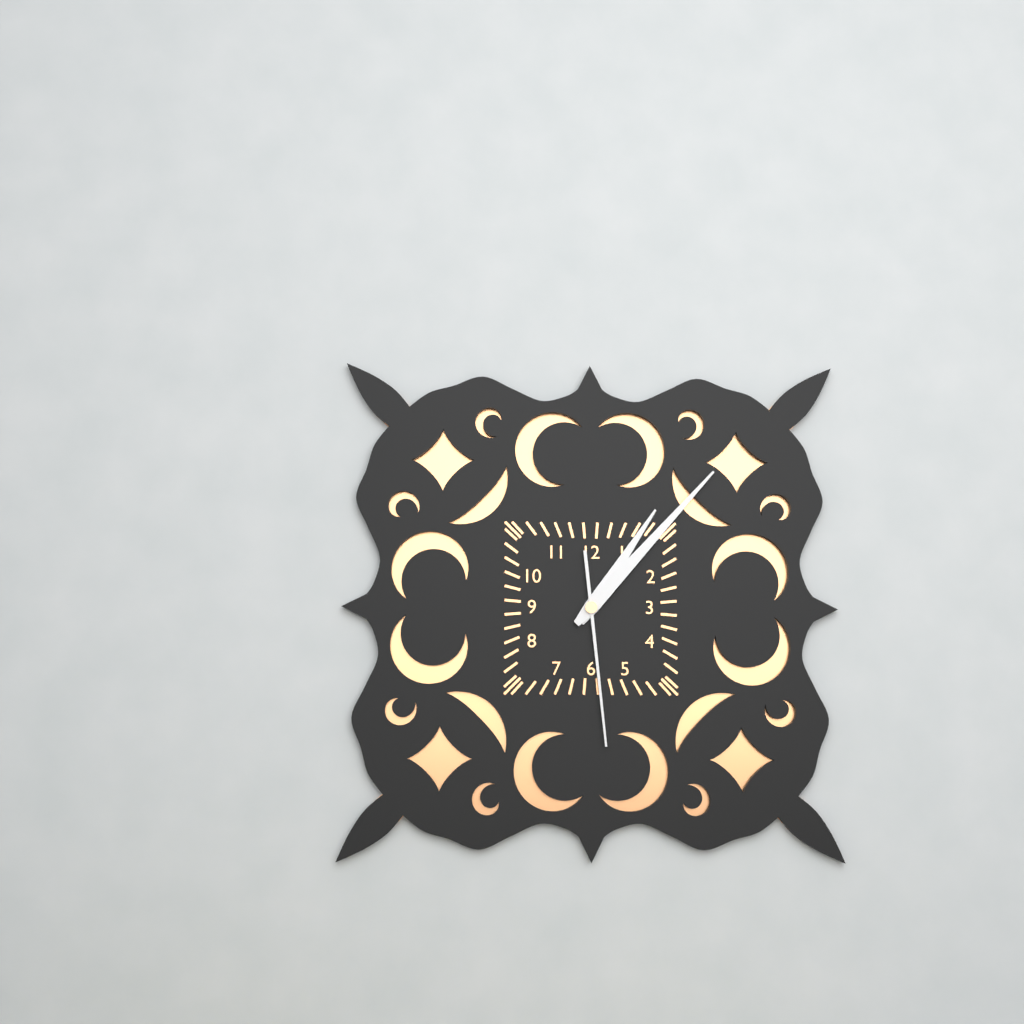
1:07:29
